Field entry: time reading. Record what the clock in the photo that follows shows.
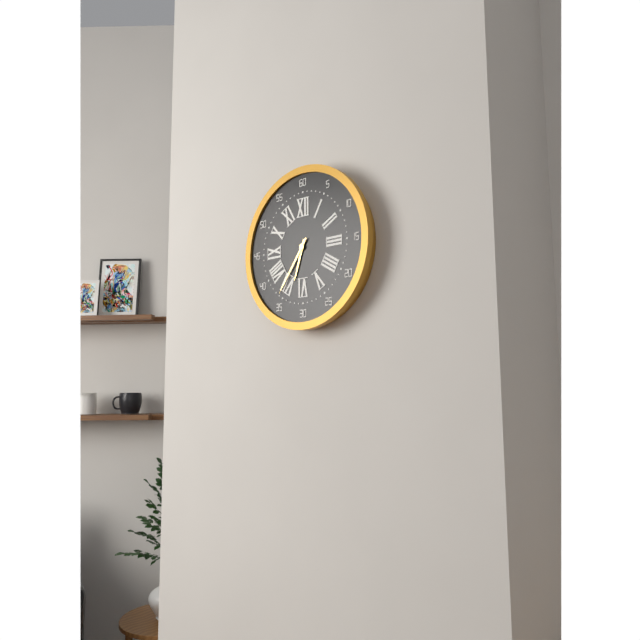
6:36
